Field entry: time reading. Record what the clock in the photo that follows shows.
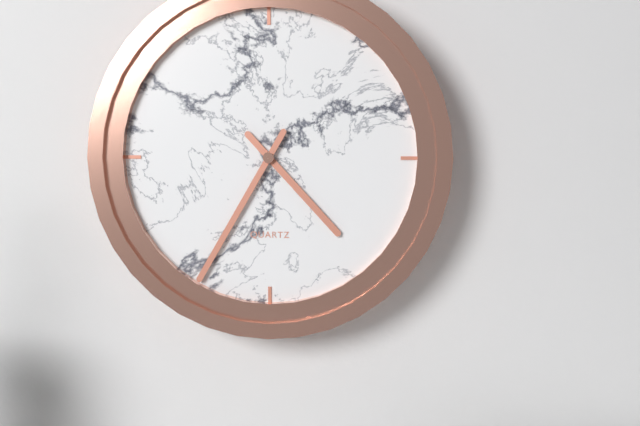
4:35
